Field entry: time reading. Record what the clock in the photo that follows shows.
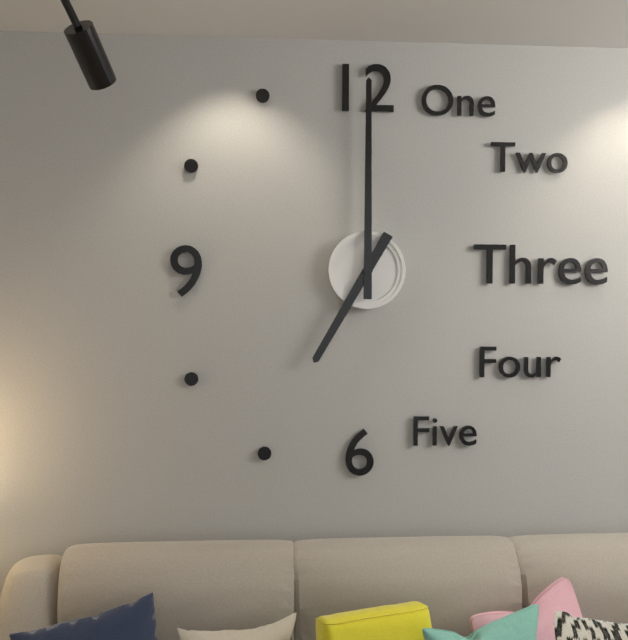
7:00
